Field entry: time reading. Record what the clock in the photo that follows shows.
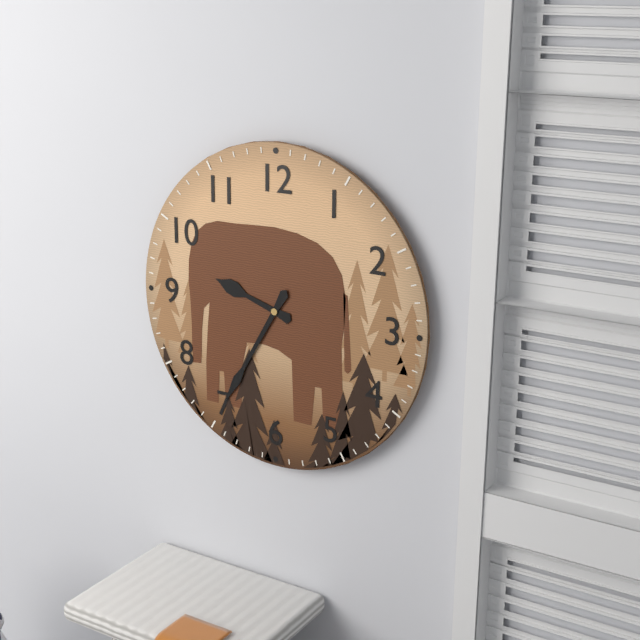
9:35
